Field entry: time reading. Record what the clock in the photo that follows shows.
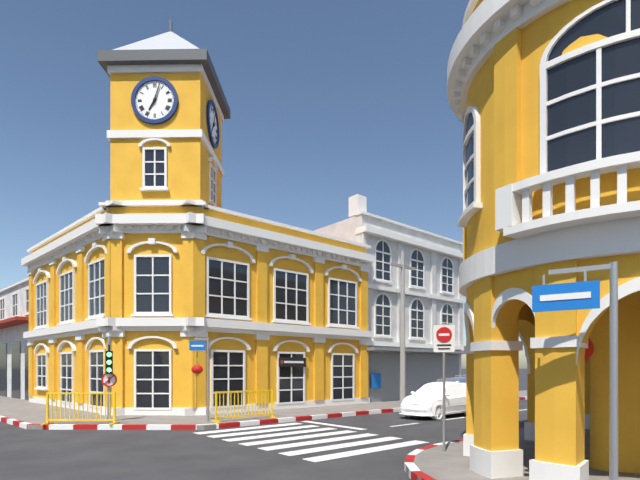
7:03
